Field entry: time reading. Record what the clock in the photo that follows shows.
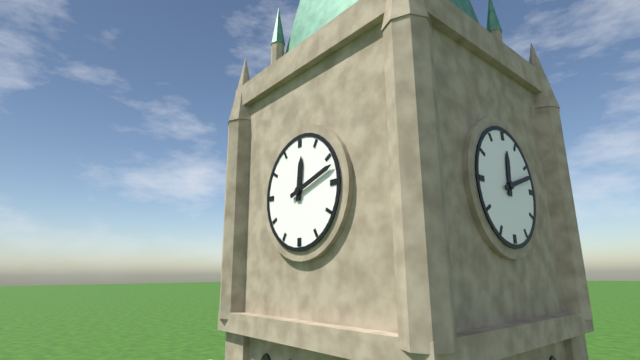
12:12
